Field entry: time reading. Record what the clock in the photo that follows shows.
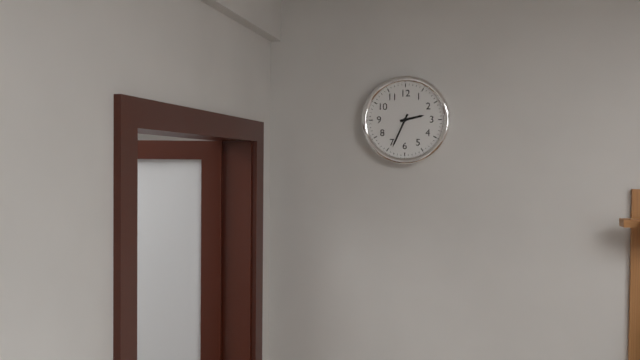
2:34
